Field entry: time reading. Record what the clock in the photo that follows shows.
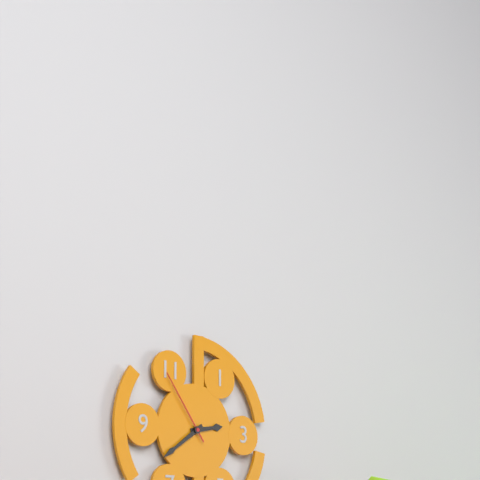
2:39:54
